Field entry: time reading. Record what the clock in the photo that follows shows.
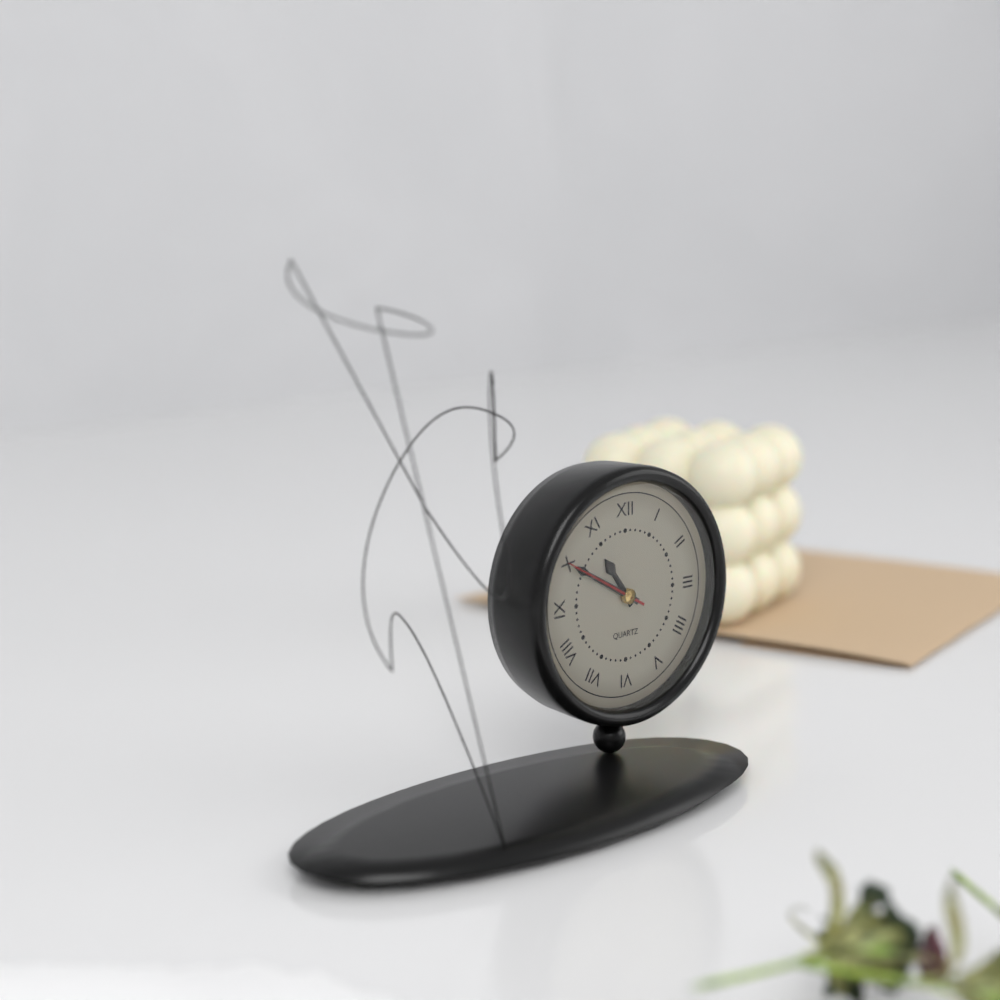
10:50:50
